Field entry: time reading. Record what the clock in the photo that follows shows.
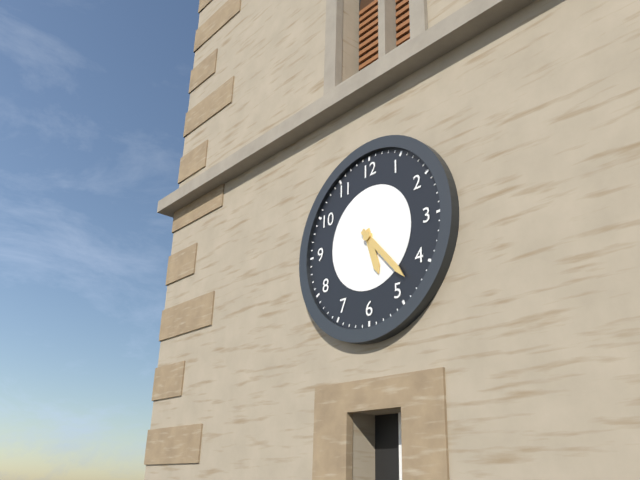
5:23
